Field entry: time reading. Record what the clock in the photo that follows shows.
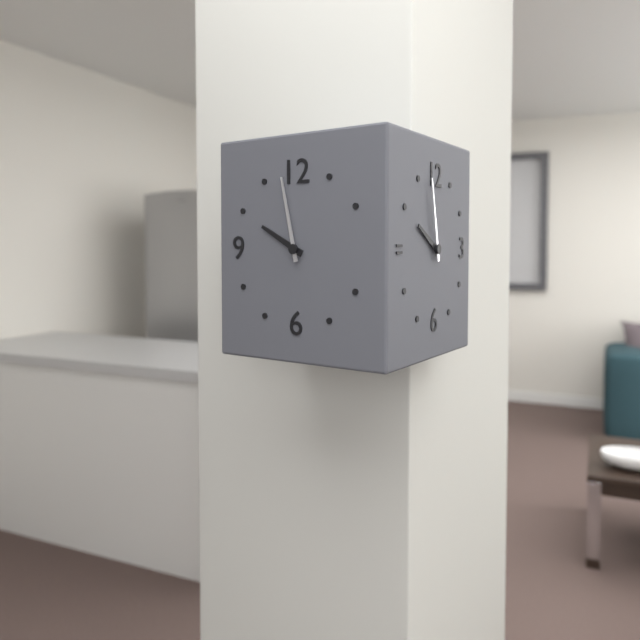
9:58
